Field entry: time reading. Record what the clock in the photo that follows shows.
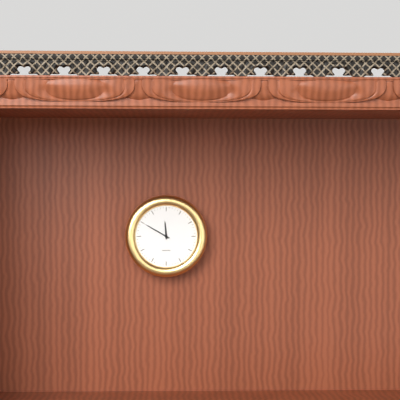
11:50
